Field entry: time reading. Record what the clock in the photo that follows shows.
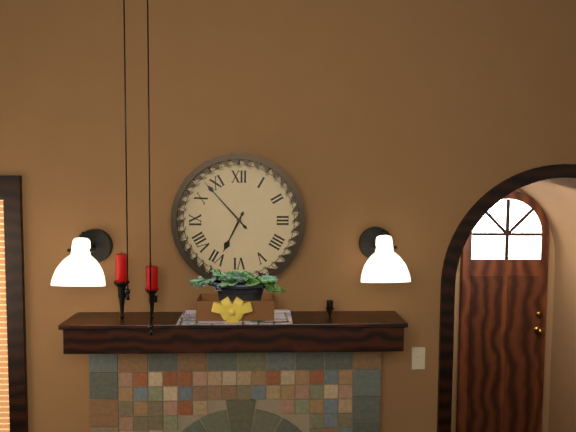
6:53
